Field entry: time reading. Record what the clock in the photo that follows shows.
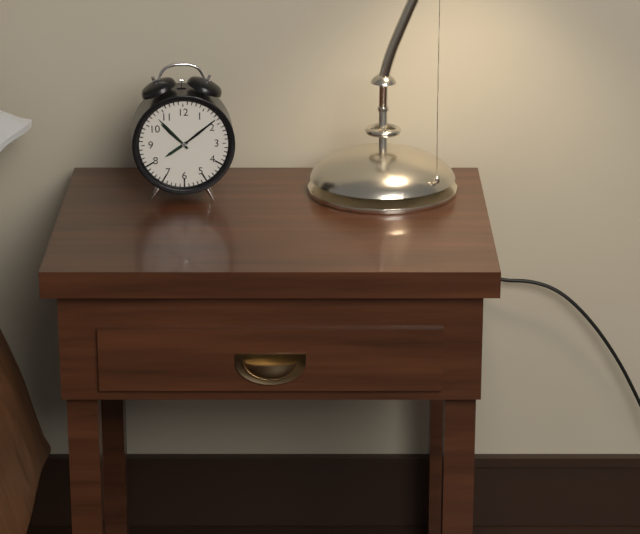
7:53
